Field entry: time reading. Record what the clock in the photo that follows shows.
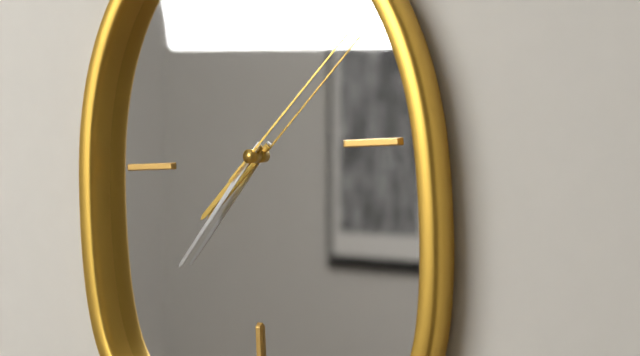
7:37:08
